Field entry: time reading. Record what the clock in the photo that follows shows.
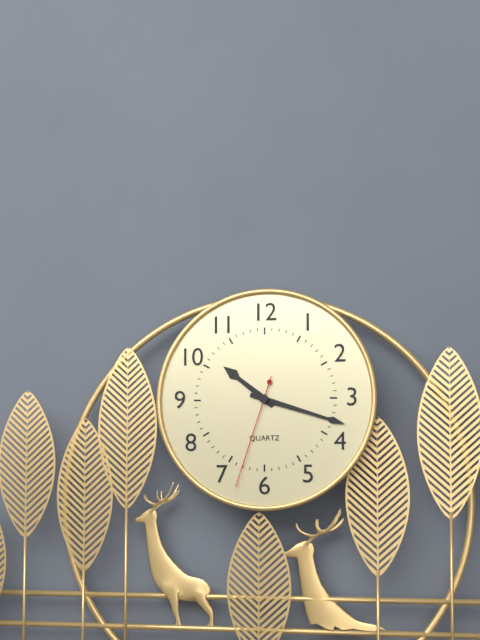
10:18:33
